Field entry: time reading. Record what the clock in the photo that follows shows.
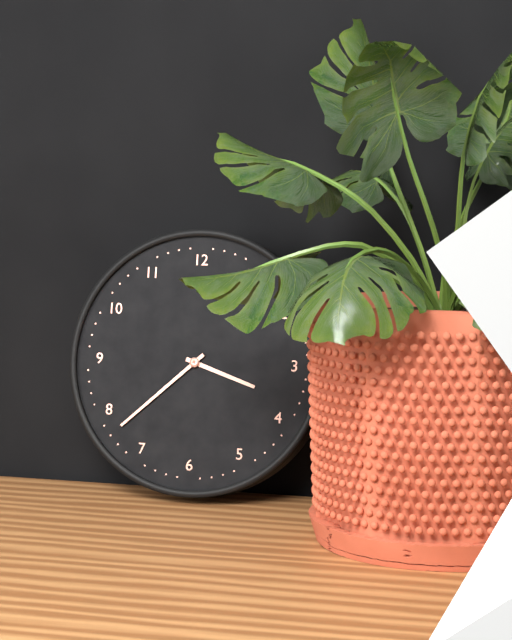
3:38
